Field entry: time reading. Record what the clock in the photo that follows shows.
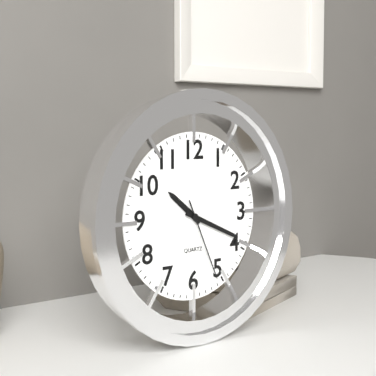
10:19:26
